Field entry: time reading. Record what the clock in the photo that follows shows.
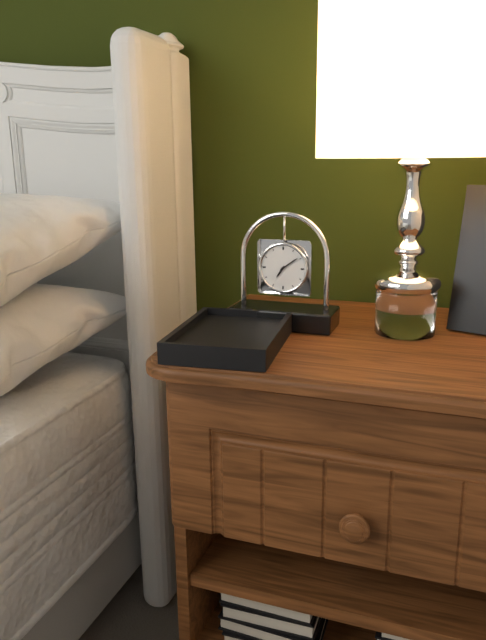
7:09
